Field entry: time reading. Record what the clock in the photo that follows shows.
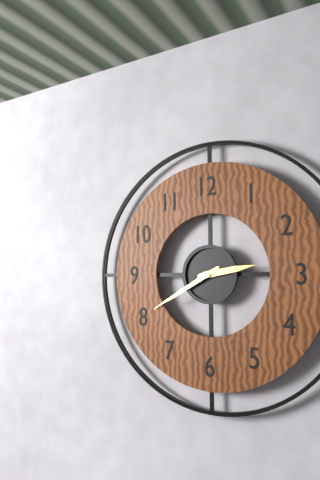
2:40
